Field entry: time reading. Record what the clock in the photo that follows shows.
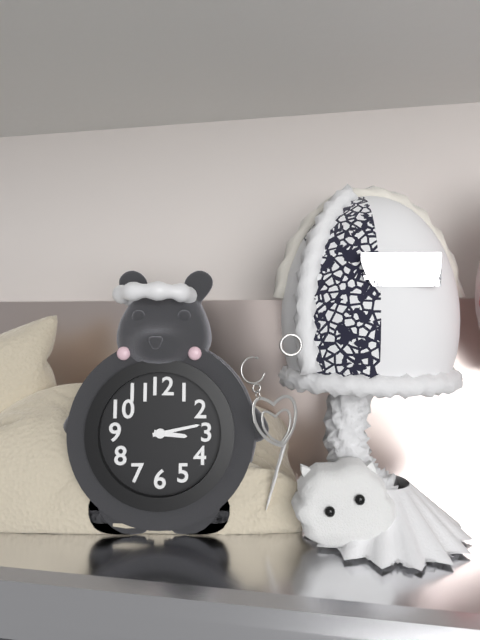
3:13
